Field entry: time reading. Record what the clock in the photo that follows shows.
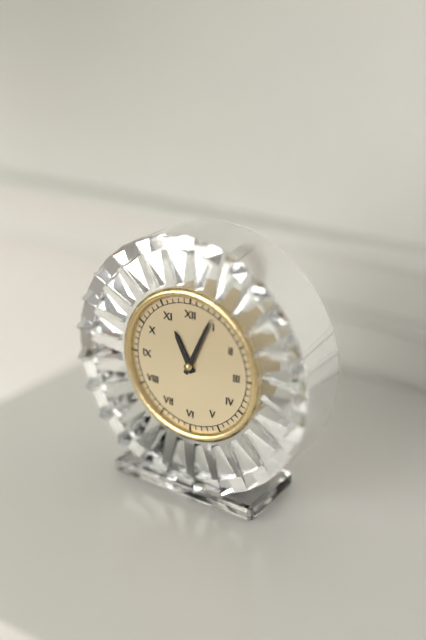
11:04
